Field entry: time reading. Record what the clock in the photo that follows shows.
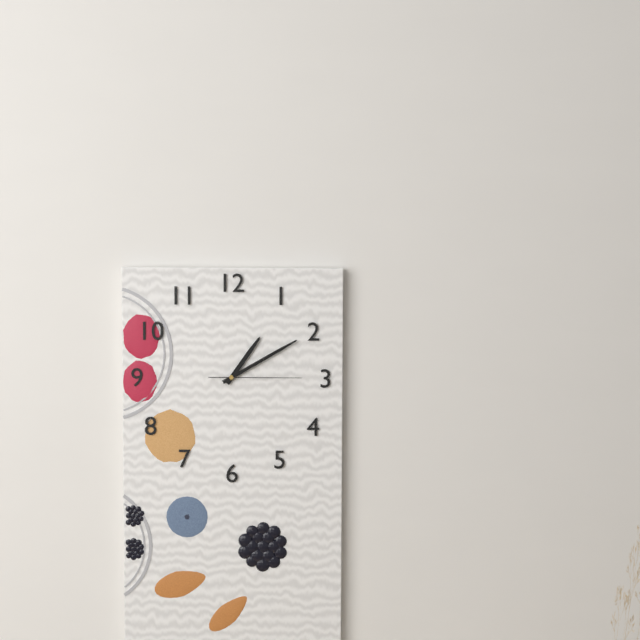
1:10:15
